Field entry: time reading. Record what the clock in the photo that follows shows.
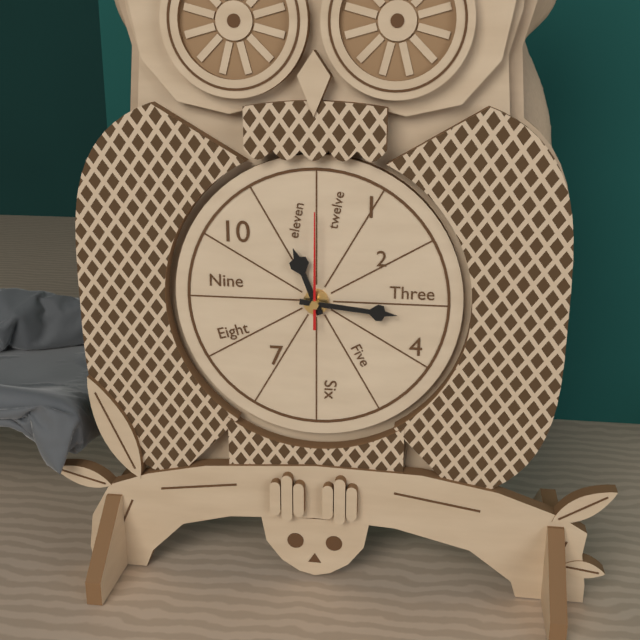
11:16:00
